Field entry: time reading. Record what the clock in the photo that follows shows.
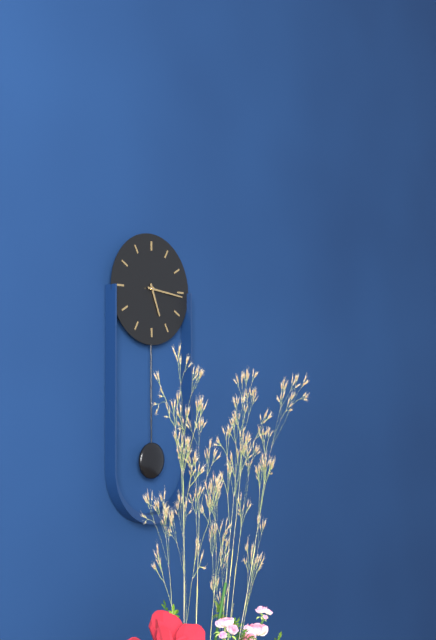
5:16
